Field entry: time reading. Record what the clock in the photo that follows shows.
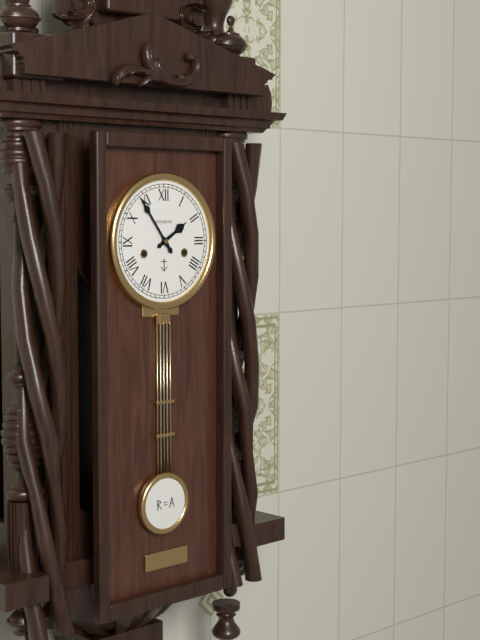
1:54
